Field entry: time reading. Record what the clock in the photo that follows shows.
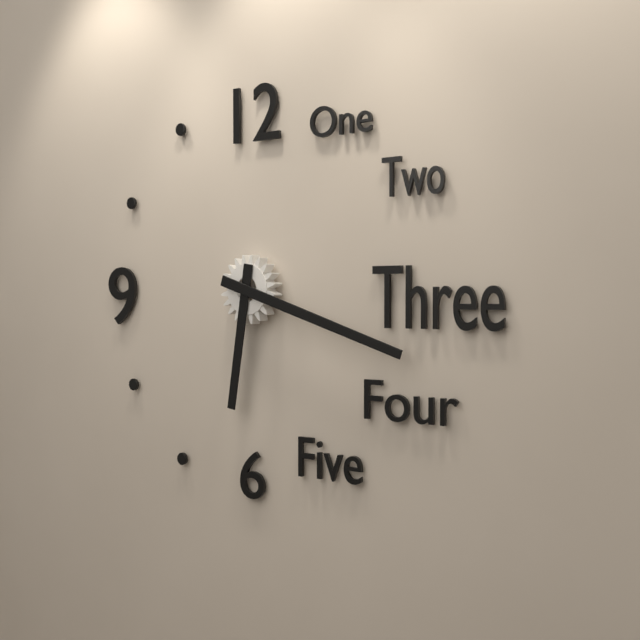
6:18
